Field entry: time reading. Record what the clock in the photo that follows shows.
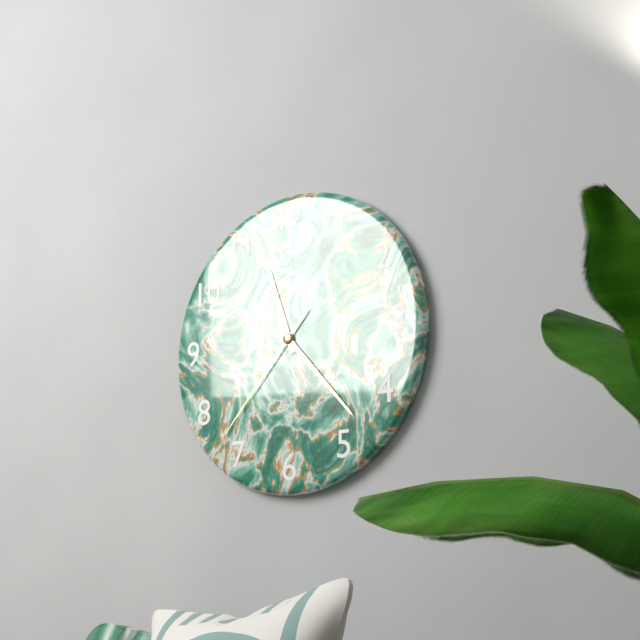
11:23:37
